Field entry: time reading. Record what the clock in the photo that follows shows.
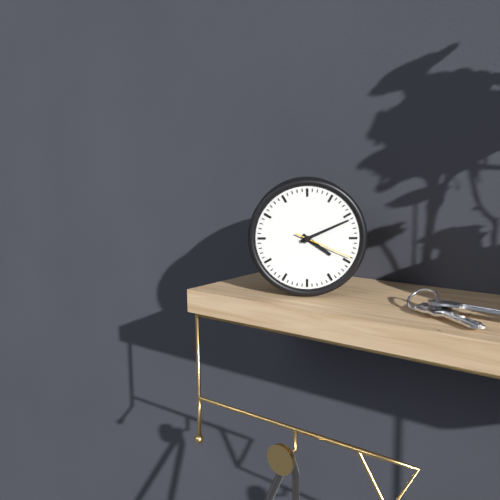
4:11:19
